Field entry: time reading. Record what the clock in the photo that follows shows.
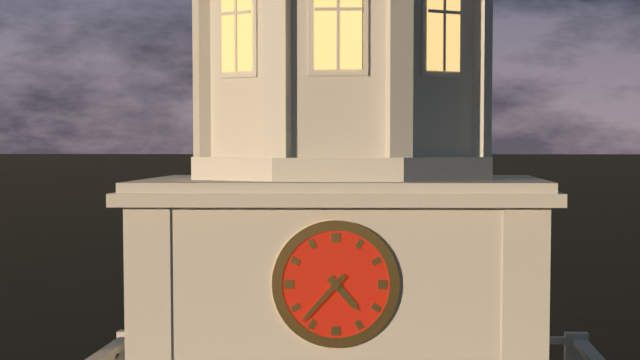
4:37
